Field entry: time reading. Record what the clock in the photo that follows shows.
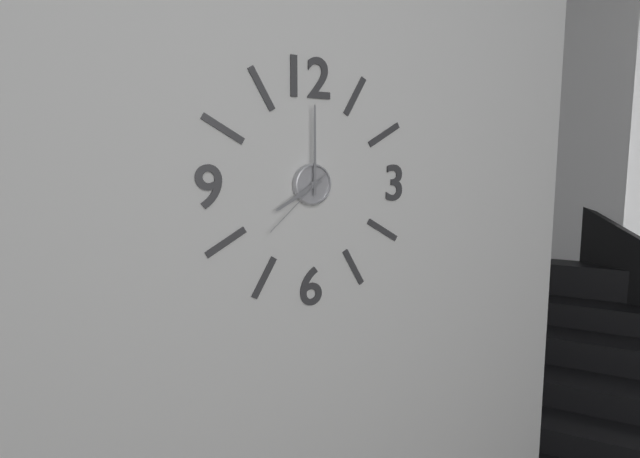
8:00:38
